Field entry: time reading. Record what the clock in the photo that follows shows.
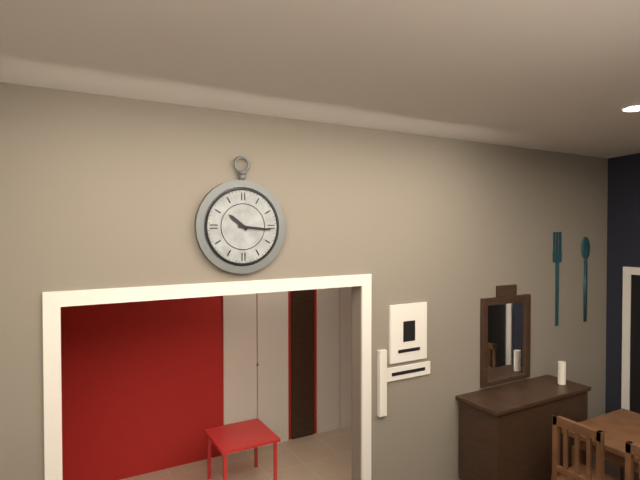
10:16
